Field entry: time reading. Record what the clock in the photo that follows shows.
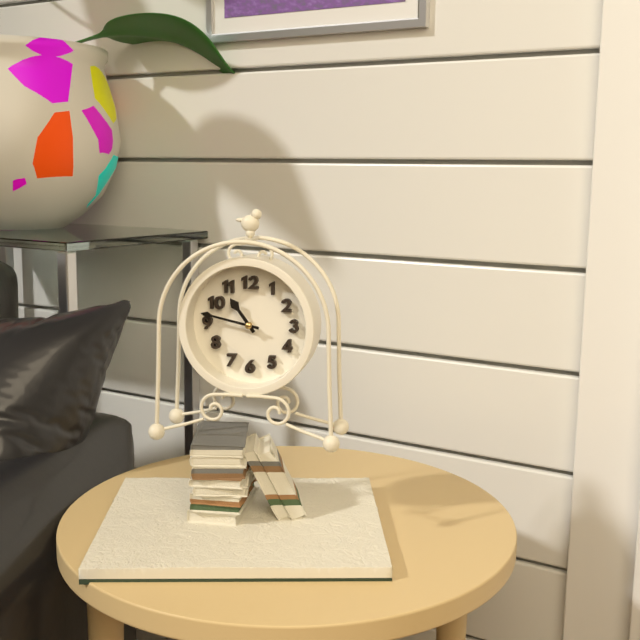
10:47
